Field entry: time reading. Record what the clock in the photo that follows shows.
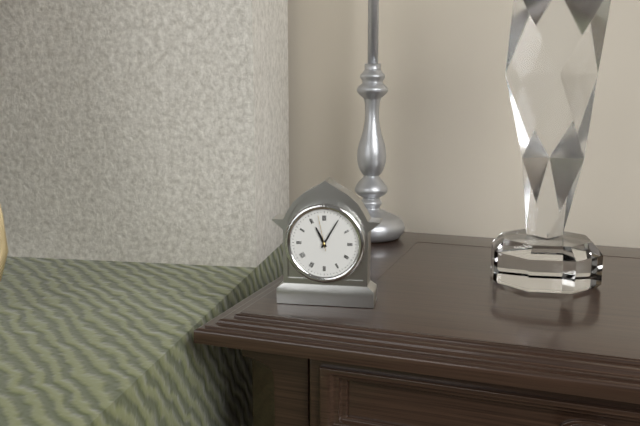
11:05
